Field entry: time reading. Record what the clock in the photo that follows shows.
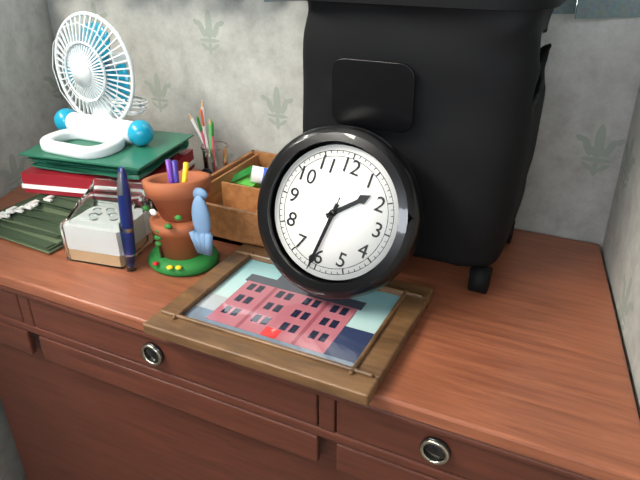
1:31:31
